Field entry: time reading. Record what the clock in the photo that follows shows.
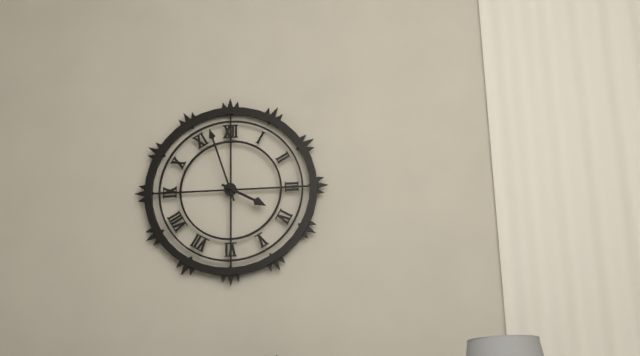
3:57
